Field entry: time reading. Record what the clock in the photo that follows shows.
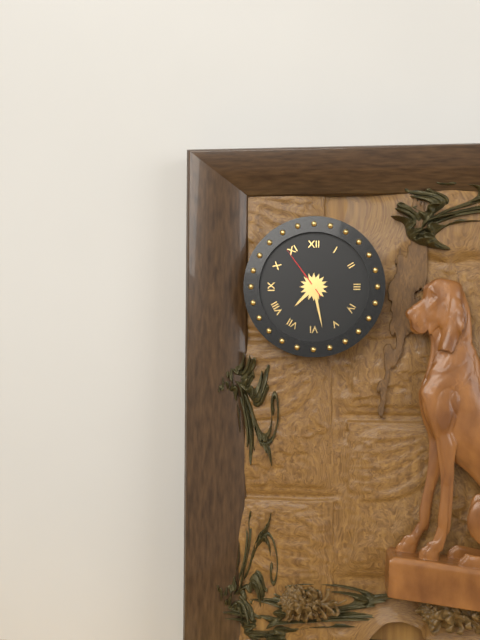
7:28:54
